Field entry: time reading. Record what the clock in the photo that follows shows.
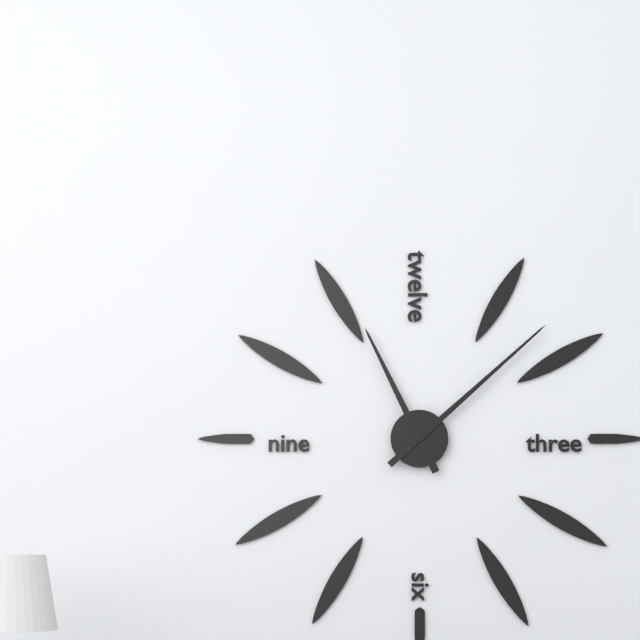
11:08
